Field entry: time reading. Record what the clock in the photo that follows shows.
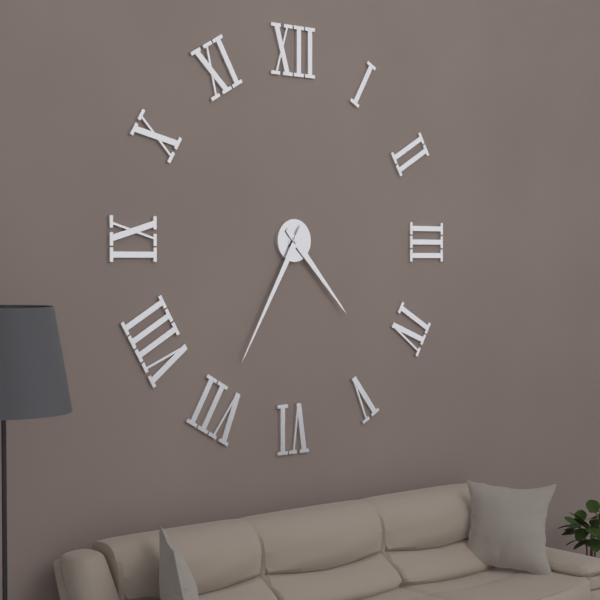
4:35
